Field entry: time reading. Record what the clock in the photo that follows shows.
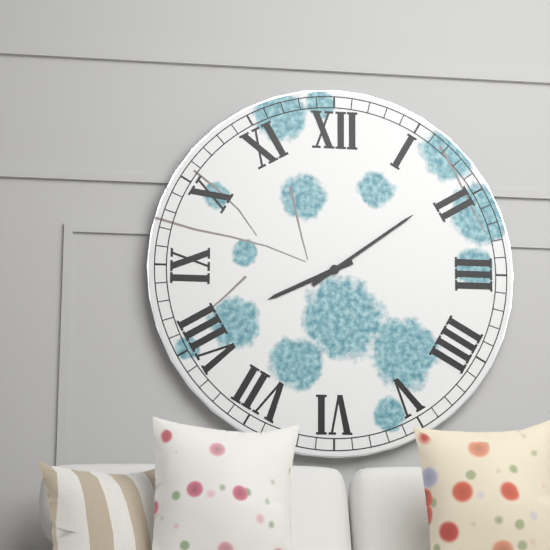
8:09
